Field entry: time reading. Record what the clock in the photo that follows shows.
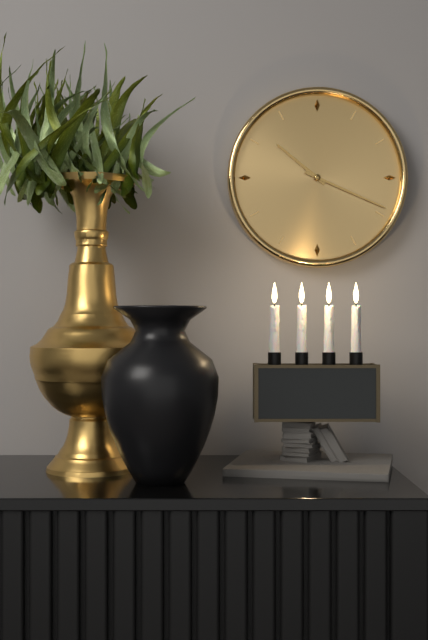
10:19
